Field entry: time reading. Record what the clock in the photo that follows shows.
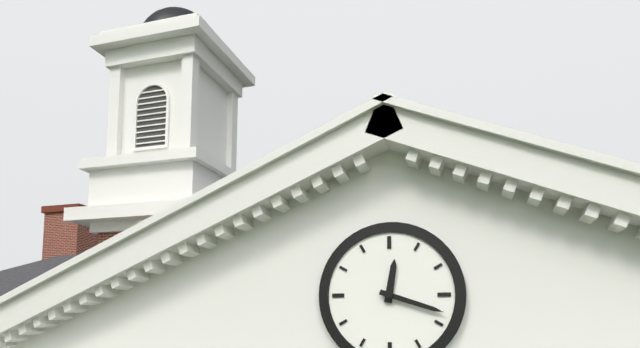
12:18
